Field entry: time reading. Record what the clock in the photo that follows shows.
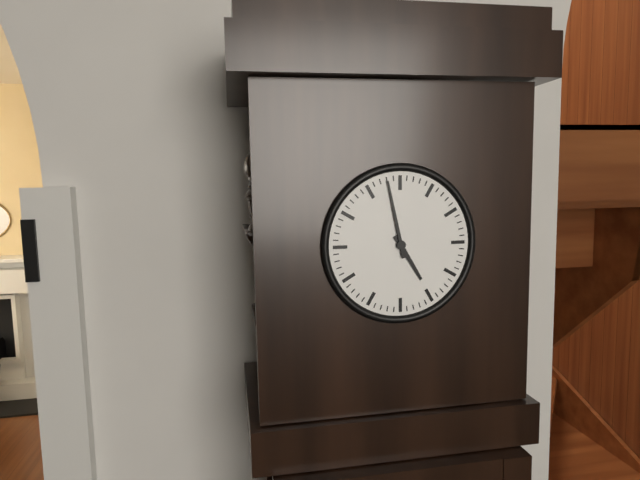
4:58
